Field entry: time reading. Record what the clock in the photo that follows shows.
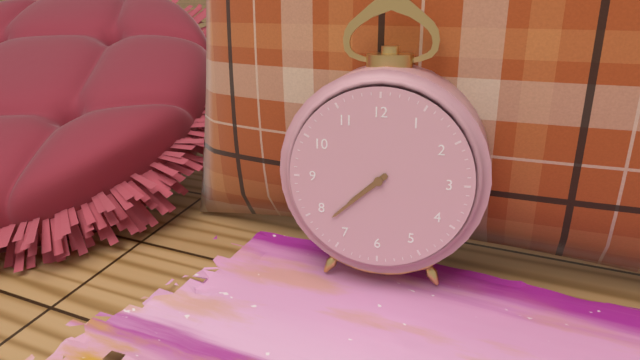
7:38
